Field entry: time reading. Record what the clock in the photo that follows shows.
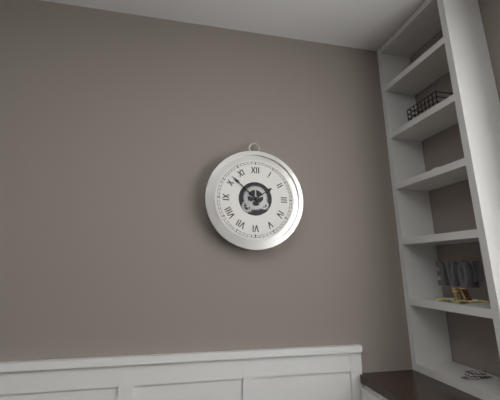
1:52
